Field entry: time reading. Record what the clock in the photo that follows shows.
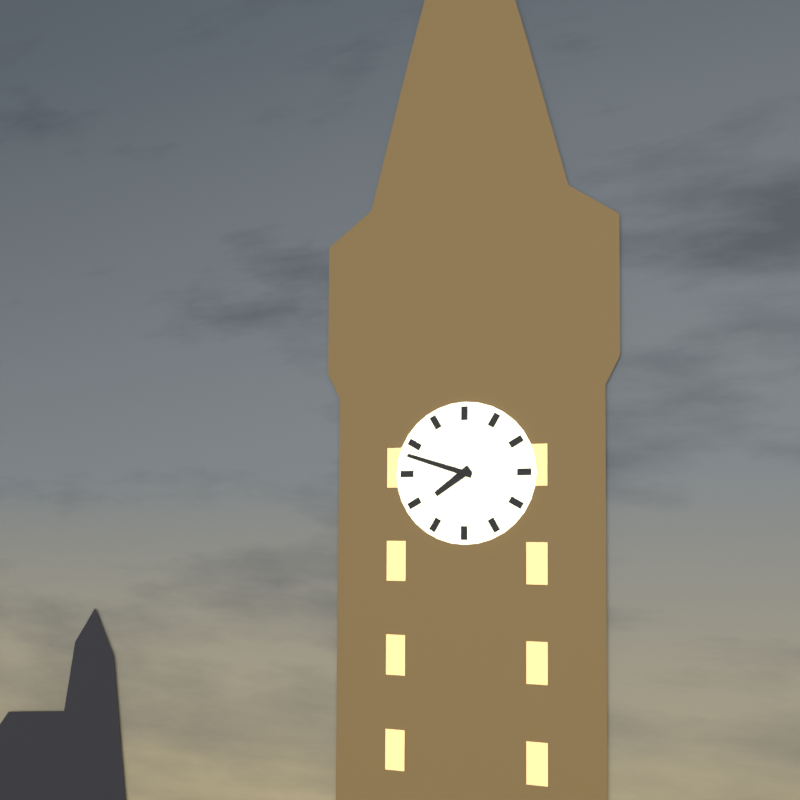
7:48
